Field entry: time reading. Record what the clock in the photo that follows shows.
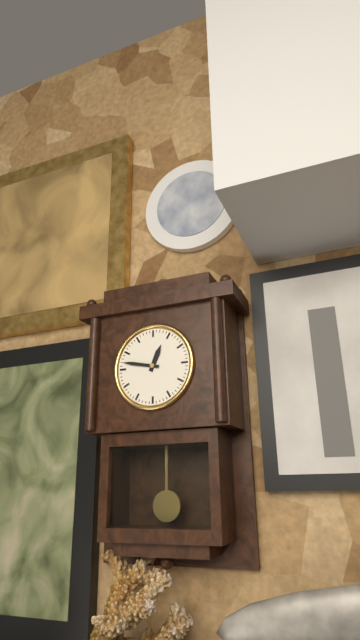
12:47
